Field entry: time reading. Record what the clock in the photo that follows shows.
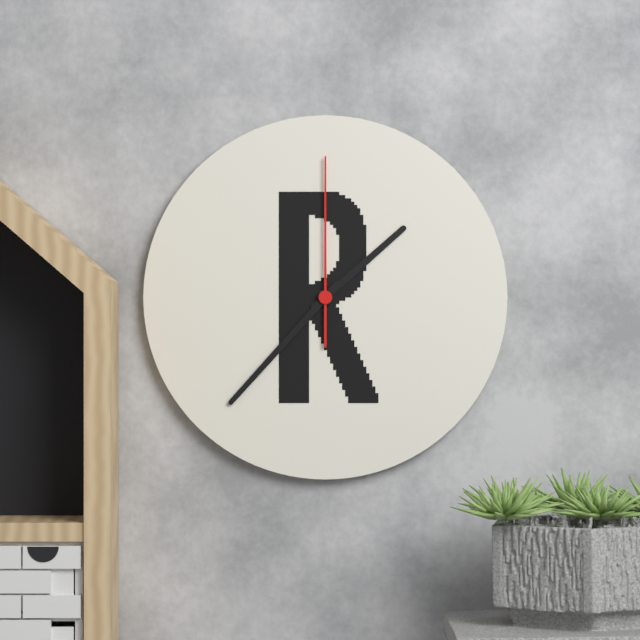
1:37:00
